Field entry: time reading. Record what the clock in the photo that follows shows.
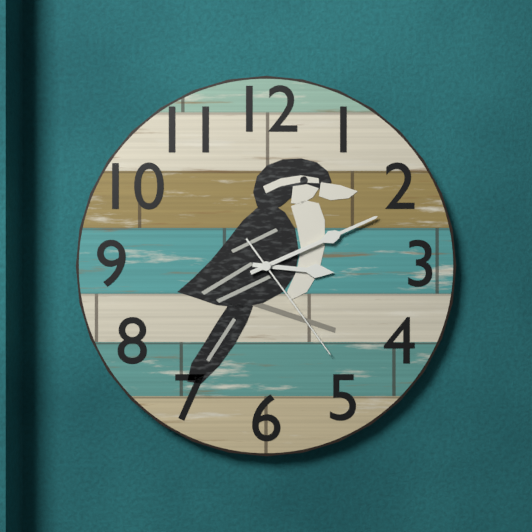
3:11:24
